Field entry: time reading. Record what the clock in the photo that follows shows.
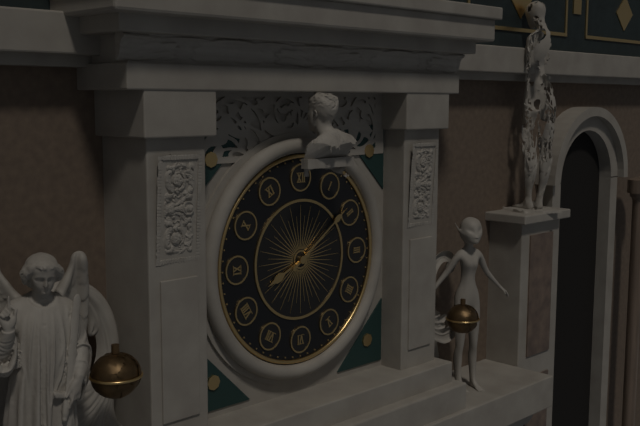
8:09
